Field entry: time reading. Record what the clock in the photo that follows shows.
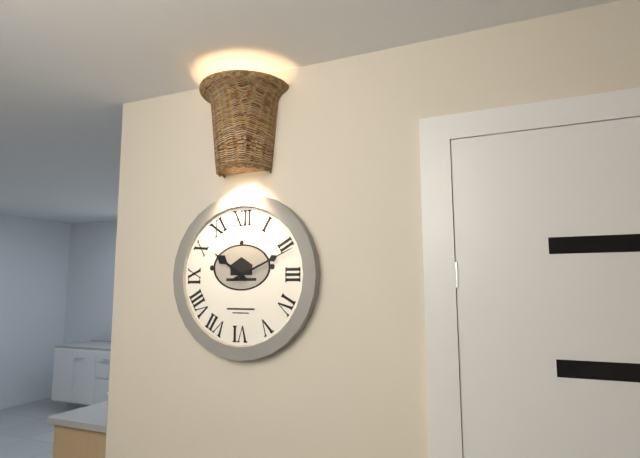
10:11
